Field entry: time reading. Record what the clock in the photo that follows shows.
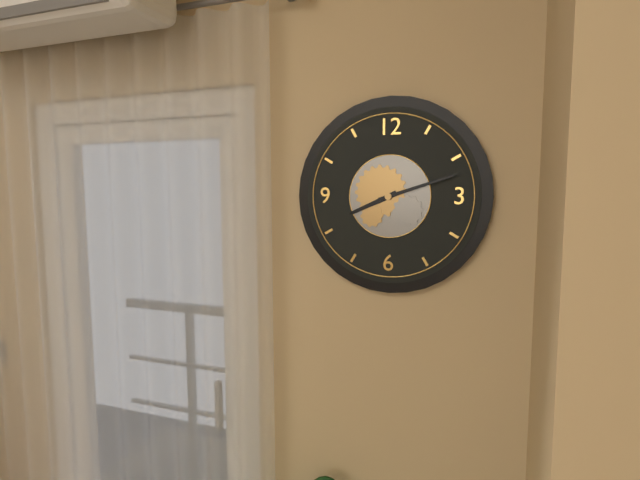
8:12
